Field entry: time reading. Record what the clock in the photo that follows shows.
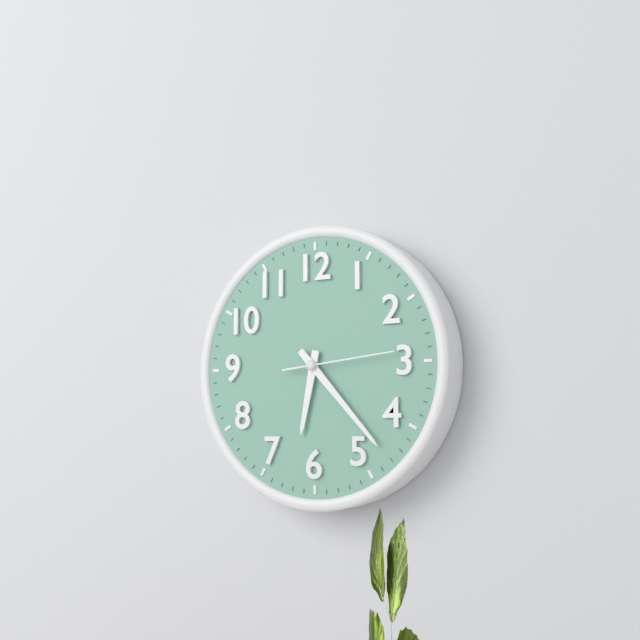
6:23:14
